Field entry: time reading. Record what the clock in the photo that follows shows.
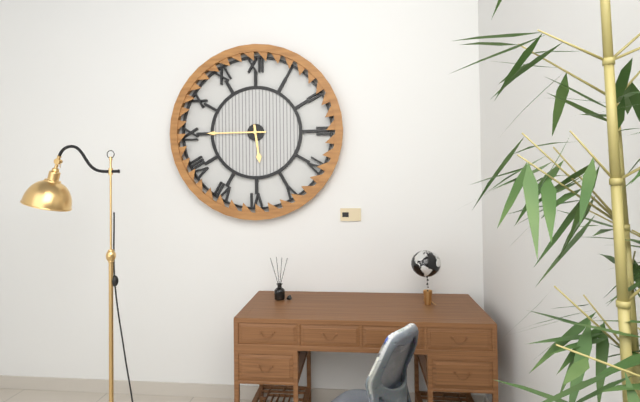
5:45
